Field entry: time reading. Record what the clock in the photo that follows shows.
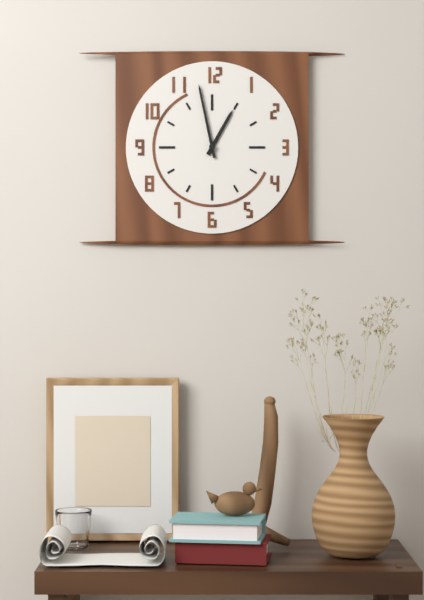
12:58
